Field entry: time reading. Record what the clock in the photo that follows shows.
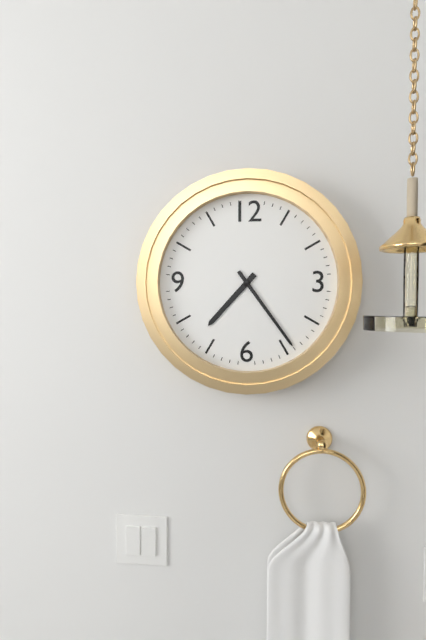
7:24
